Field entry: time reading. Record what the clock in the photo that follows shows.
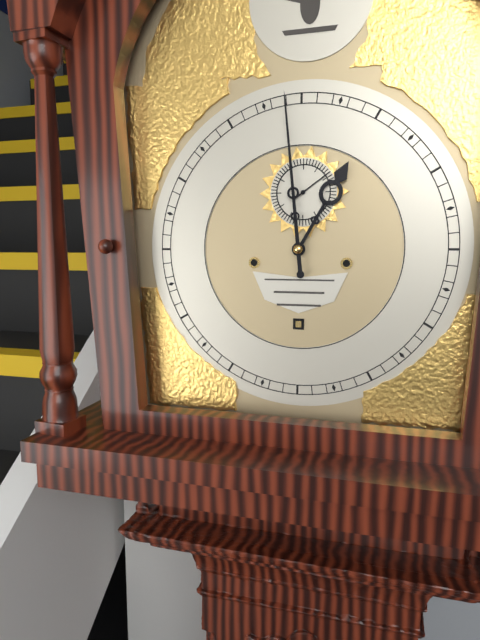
12:59
